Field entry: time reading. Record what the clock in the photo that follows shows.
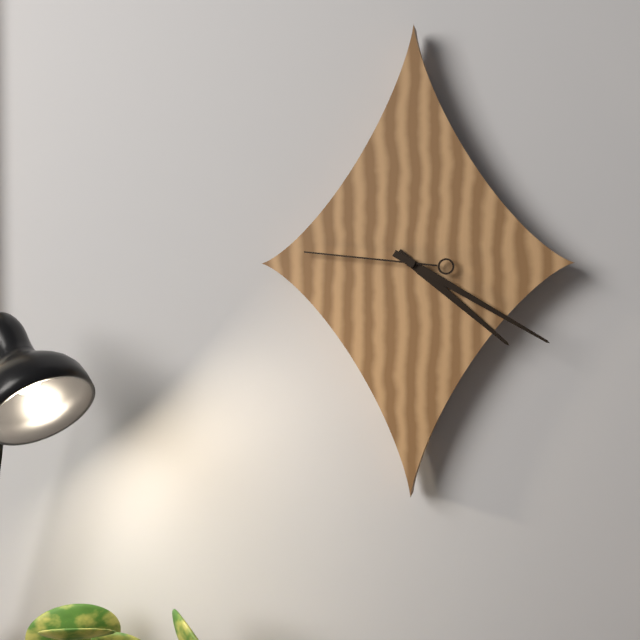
4:20:46
